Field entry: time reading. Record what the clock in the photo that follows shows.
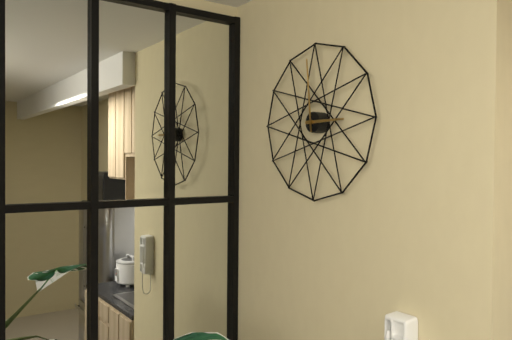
2:59
